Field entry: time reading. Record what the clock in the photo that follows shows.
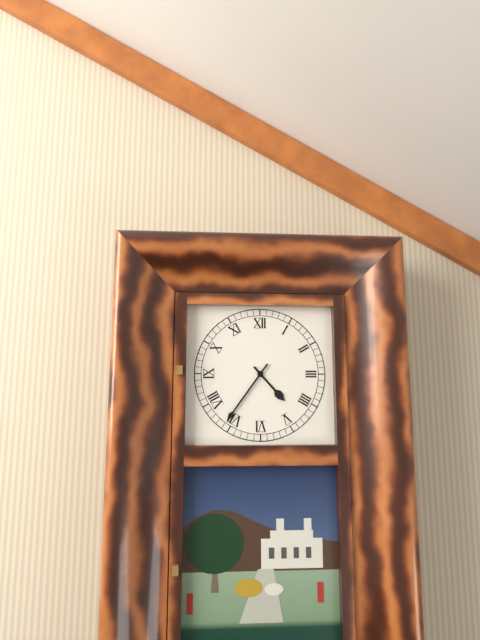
4:36
